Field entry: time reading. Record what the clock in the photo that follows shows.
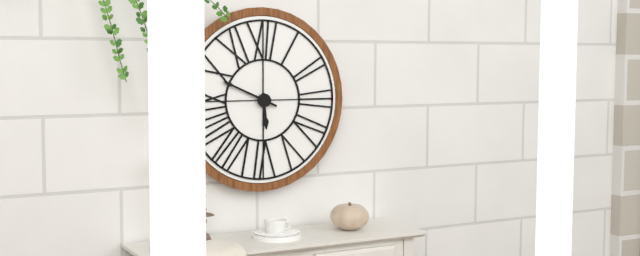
5:49
